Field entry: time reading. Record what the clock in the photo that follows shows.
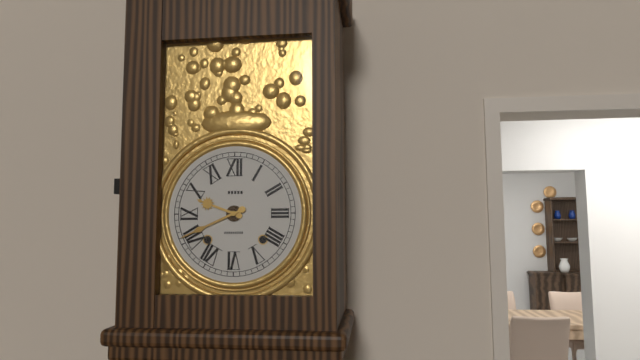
9:41
